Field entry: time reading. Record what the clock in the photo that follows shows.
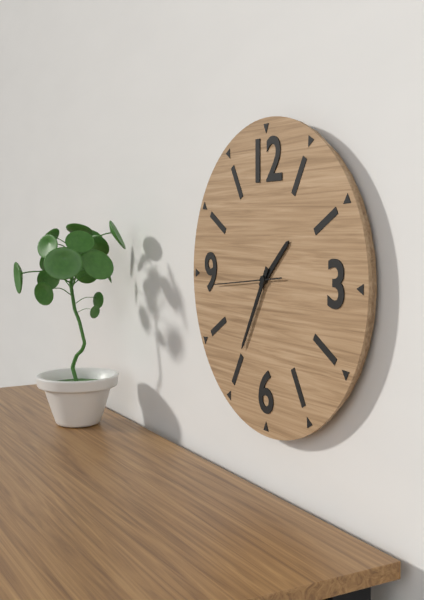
1:35:44
